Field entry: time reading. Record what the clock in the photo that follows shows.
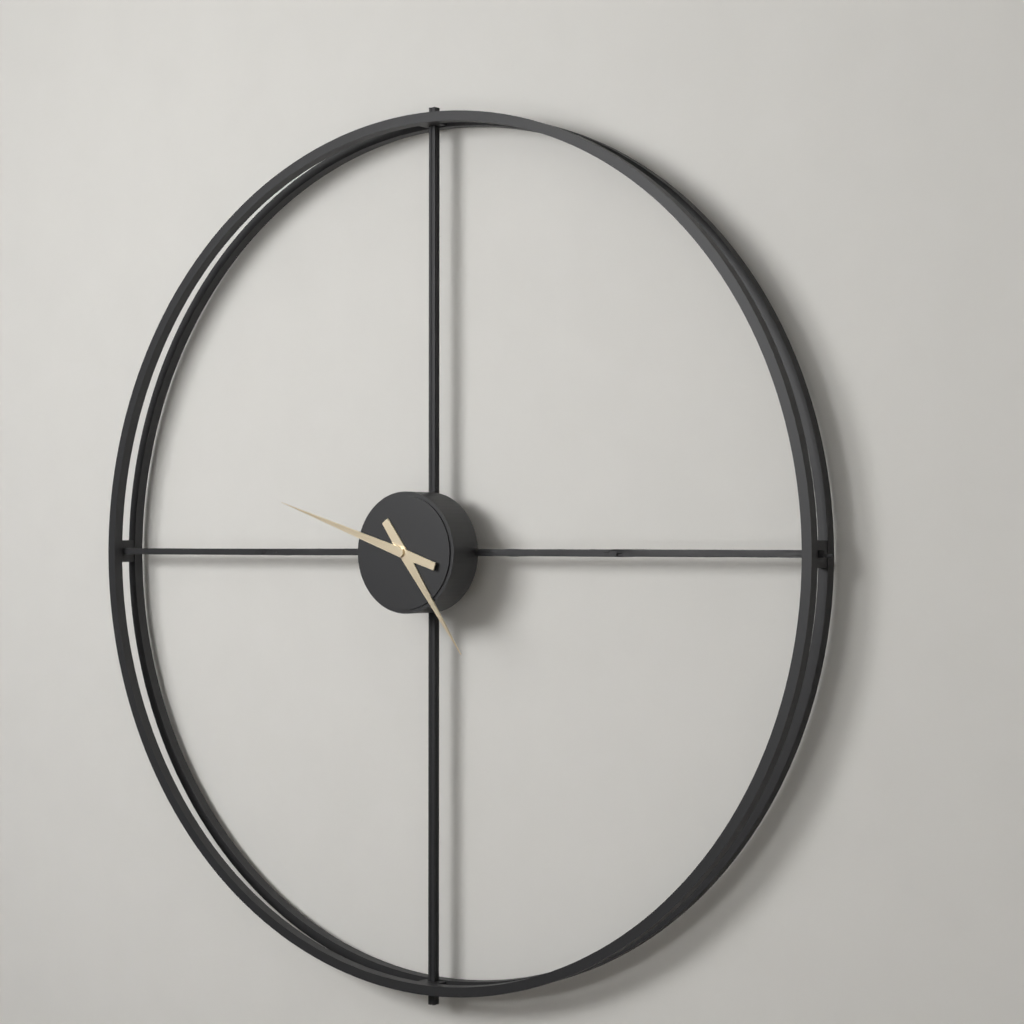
4:48
